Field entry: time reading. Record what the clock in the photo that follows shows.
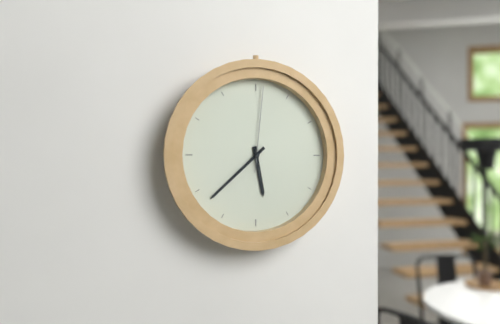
5:38:01
